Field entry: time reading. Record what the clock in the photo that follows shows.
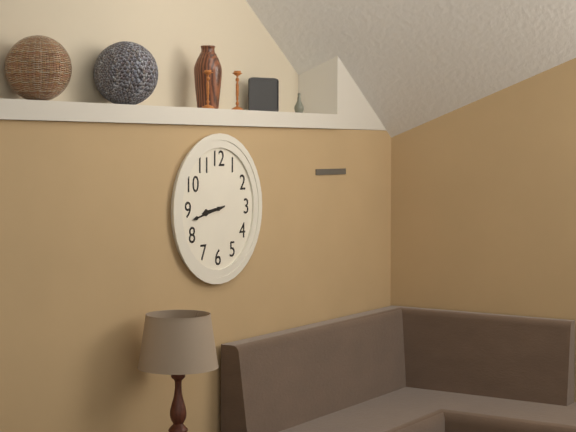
8:43
